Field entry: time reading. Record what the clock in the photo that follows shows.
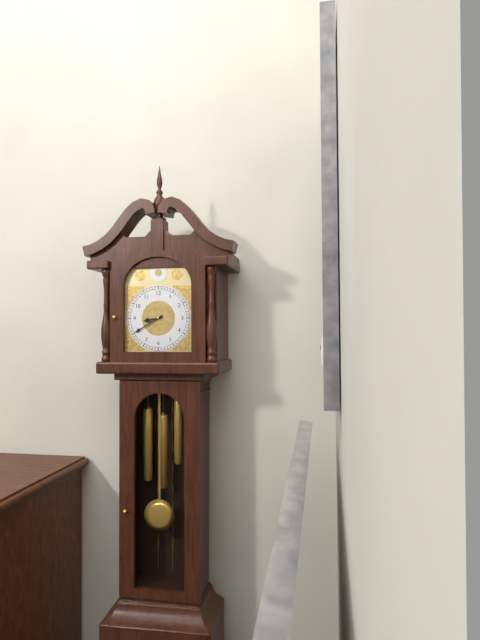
8:40
